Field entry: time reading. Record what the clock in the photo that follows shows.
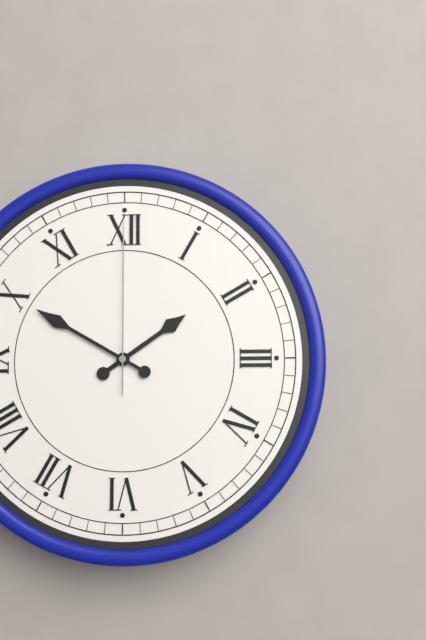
1:50:00
